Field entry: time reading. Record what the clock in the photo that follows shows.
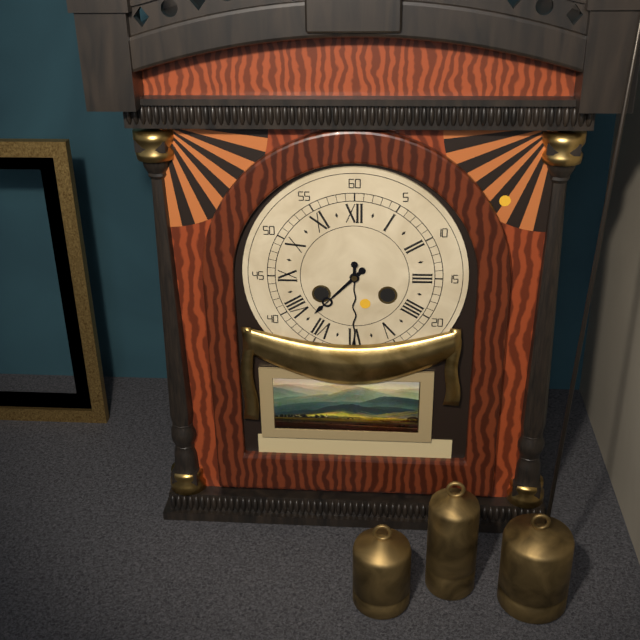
7:30
